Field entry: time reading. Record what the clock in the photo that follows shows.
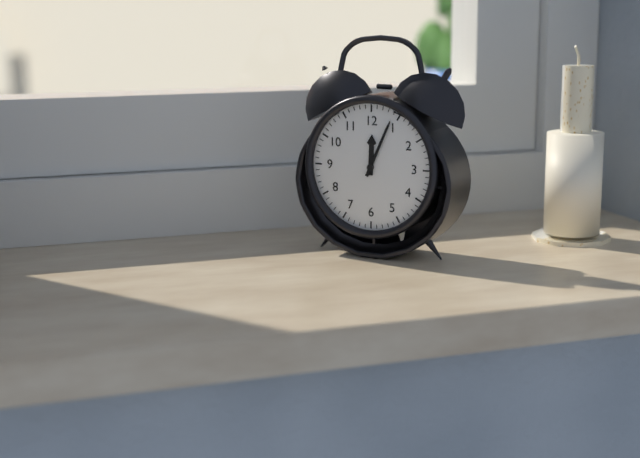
12:04
